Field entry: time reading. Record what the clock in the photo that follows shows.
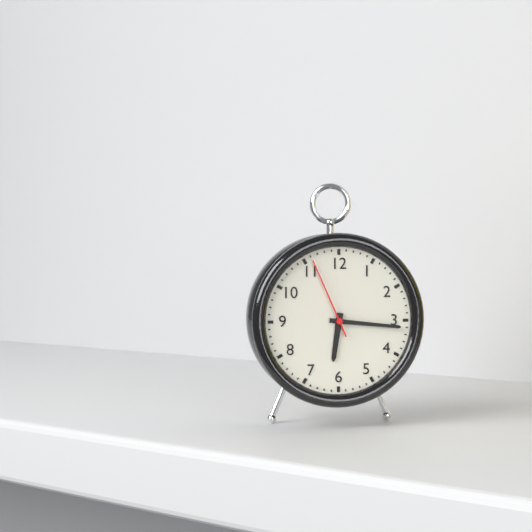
6:16:56
